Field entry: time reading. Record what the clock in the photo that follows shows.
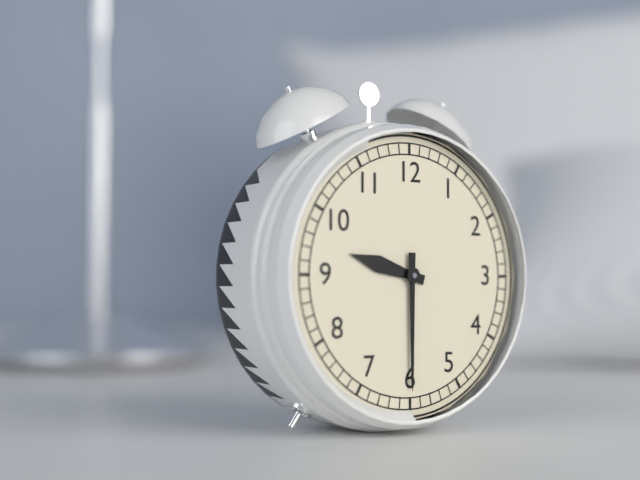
9:30
